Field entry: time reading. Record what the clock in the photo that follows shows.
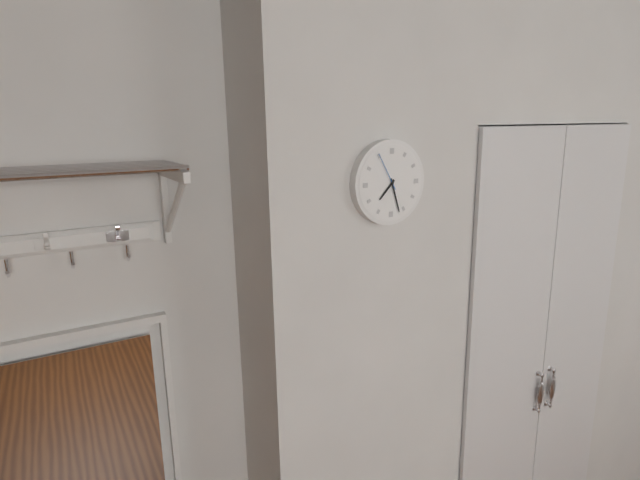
7:27
